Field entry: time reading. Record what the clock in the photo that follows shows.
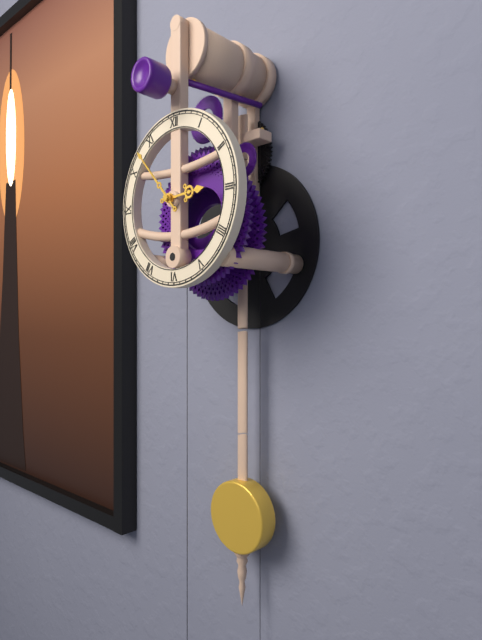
2:53
